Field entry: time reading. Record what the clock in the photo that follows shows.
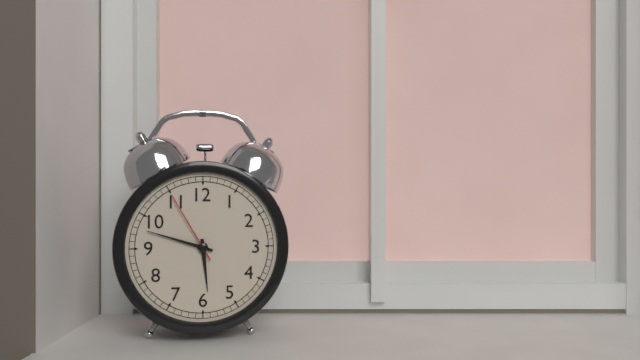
5:48:55
